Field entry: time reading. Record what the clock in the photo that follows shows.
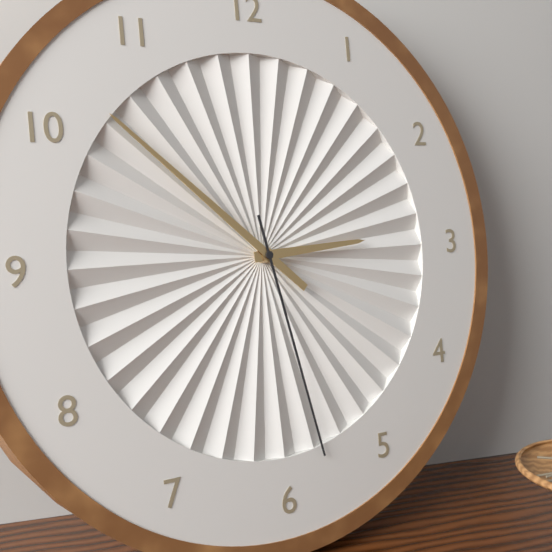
2:52:28
